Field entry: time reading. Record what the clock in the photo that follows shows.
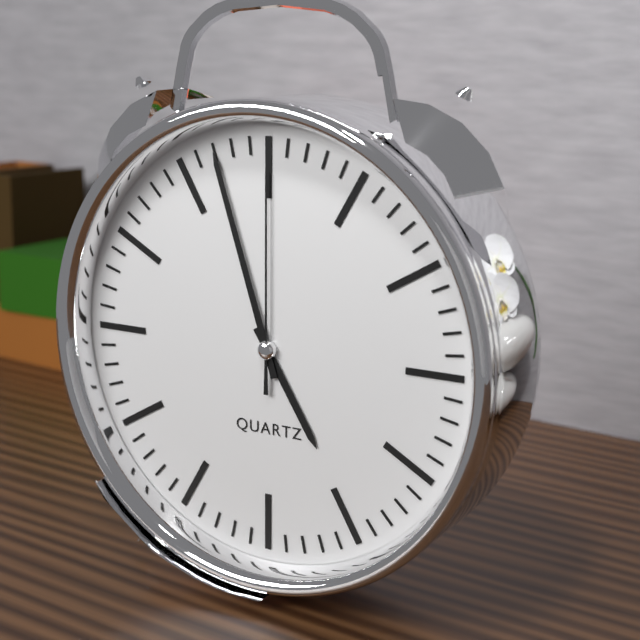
4:57:00
